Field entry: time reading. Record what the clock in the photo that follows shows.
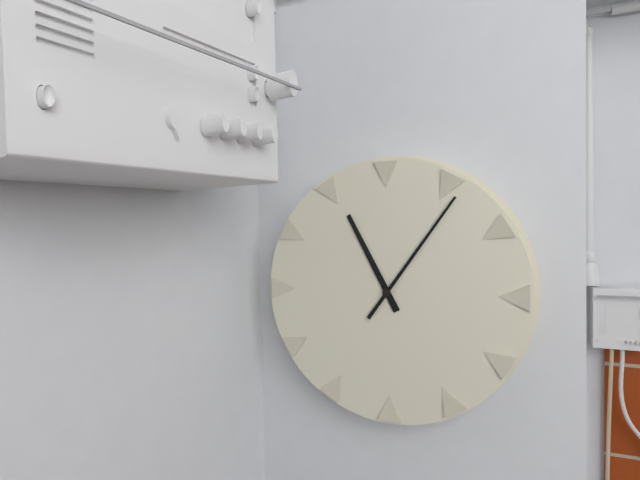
11:06
